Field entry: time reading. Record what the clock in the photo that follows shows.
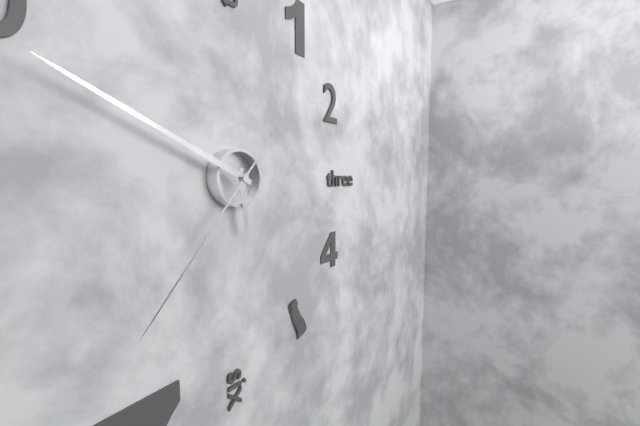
5:49:37
